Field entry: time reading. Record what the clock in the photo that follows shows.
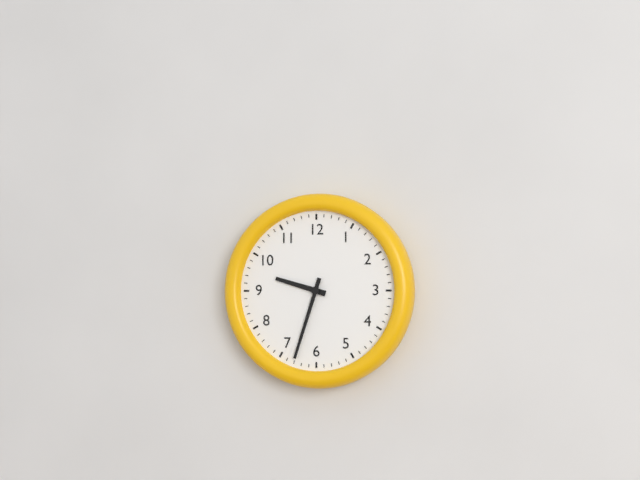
9:33
